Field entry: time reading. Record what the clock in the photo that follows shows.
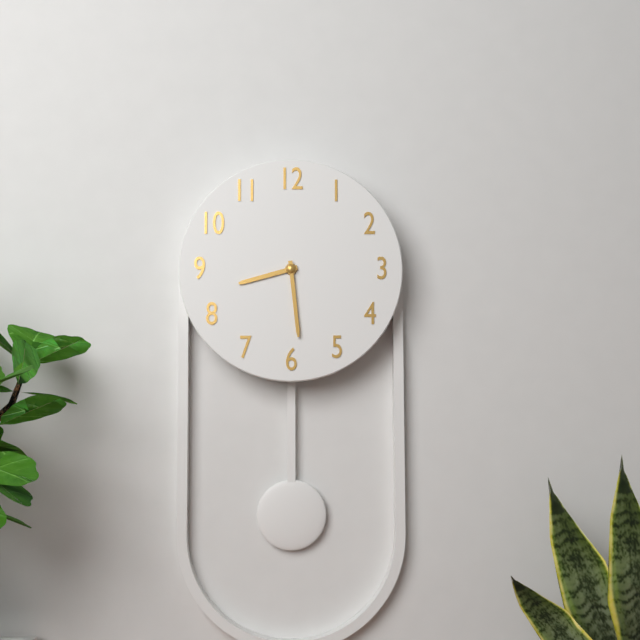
8:29
